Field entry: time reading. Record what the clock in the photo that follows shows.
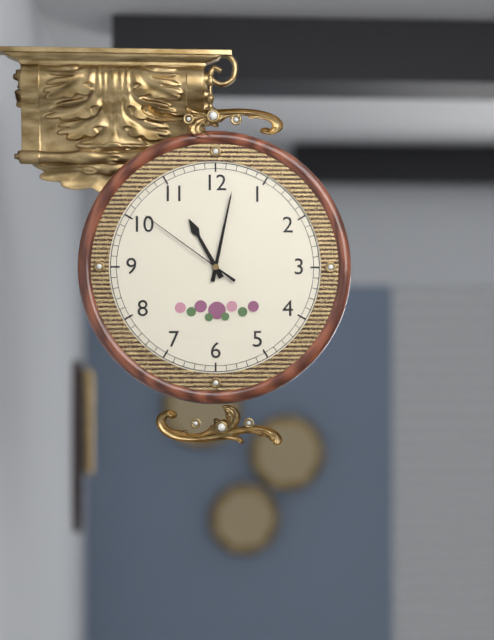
11:02:51
